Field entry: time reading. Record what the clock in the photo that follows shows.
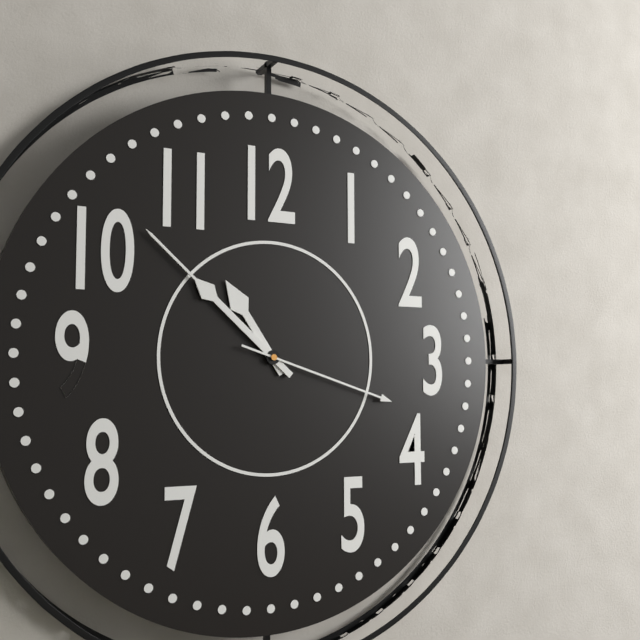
10:52:18
